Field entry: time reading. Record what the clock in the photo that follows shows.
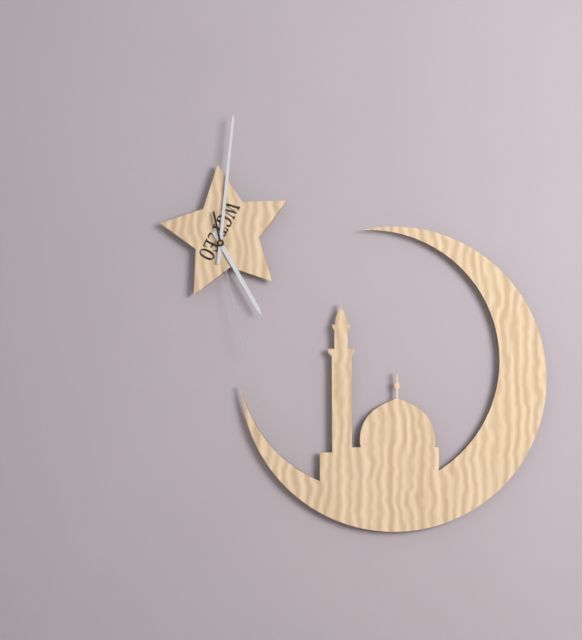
5:01:28
